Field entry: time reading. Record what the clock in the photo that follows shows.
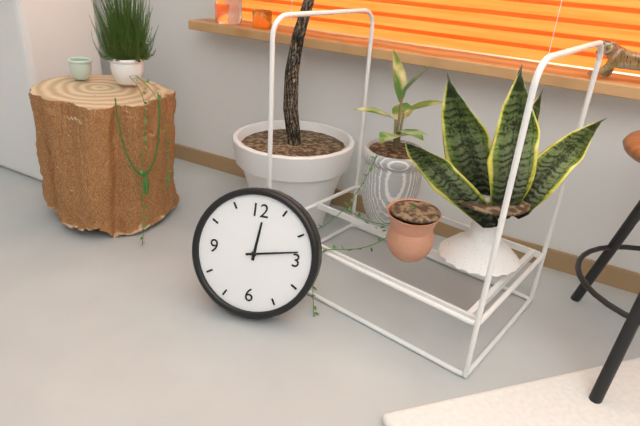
12:13
